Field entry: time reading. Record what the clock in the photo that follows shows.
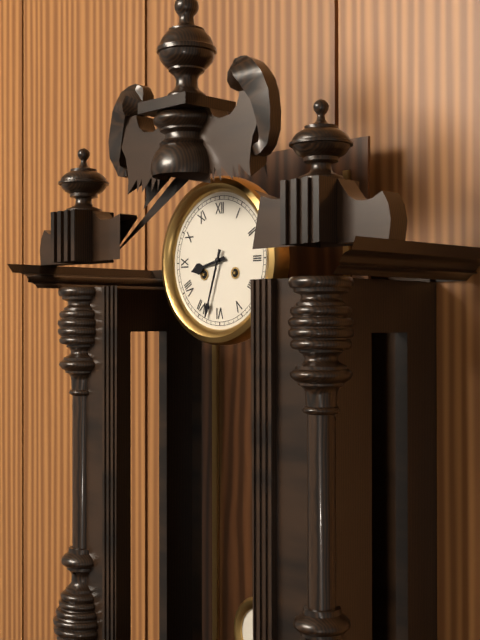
8:33
